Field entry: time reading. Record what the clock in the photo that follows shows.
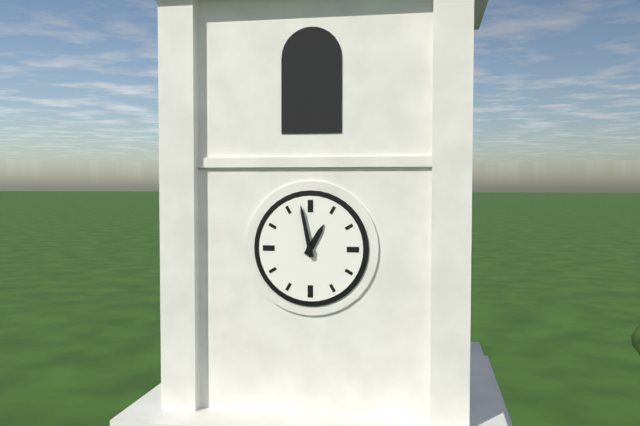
12:58
